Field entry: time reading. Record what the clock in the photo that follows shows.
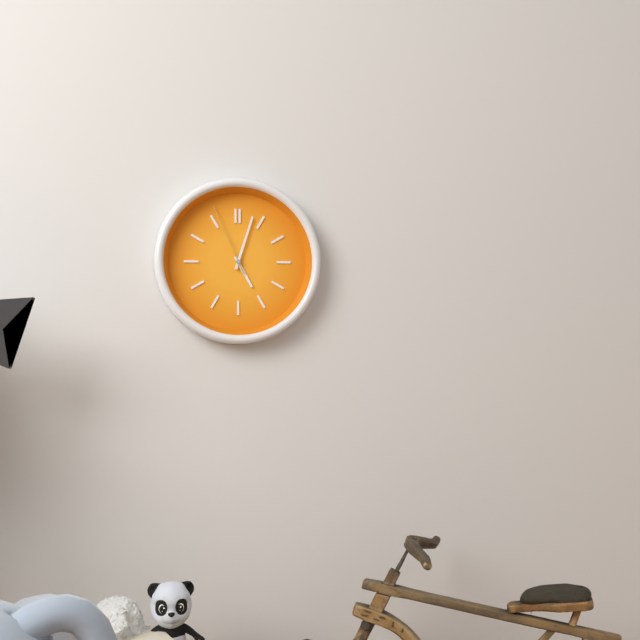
5:03:56
